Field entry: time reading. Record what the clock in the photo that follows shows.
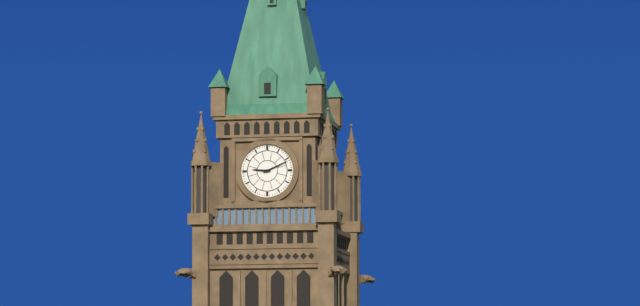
9:11
